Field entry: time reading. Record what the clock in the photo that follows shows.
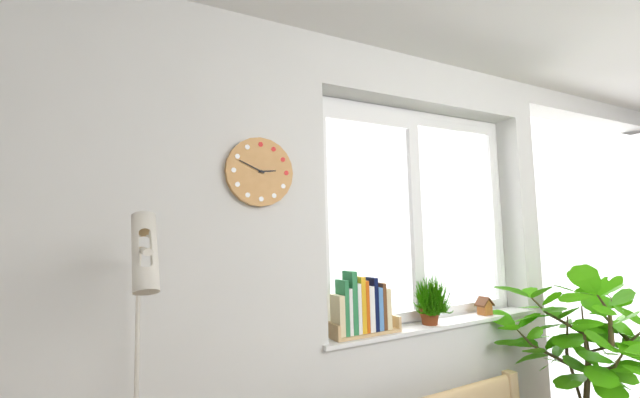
2:49
